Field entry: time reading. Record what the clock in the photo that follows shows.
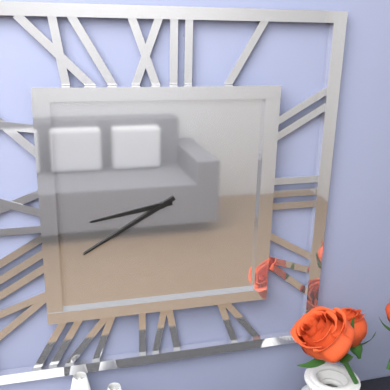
8:40
